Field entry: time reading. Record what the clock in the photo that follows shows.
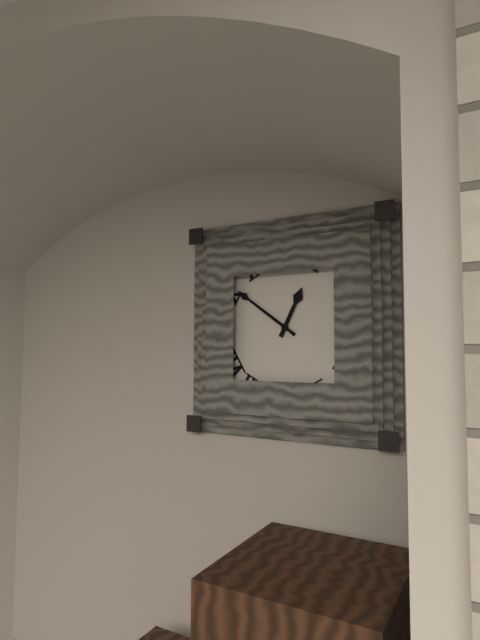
12:51
